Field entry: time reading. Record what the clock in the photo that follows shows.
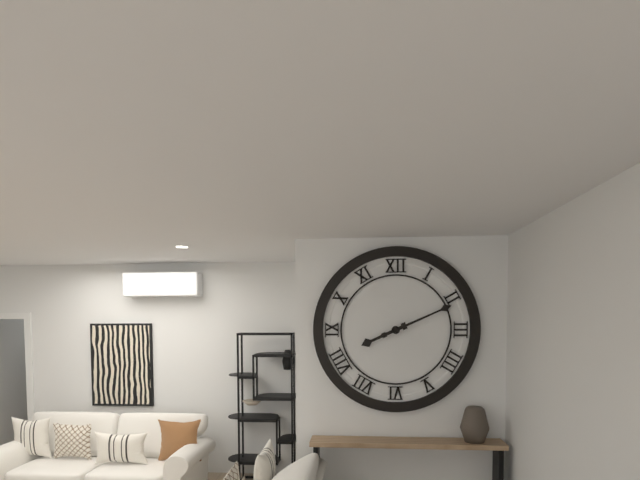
8:11
